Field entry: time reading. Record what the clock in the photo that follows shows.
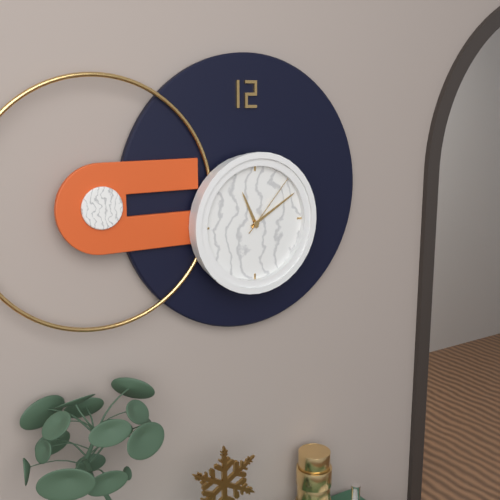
11:10:07
